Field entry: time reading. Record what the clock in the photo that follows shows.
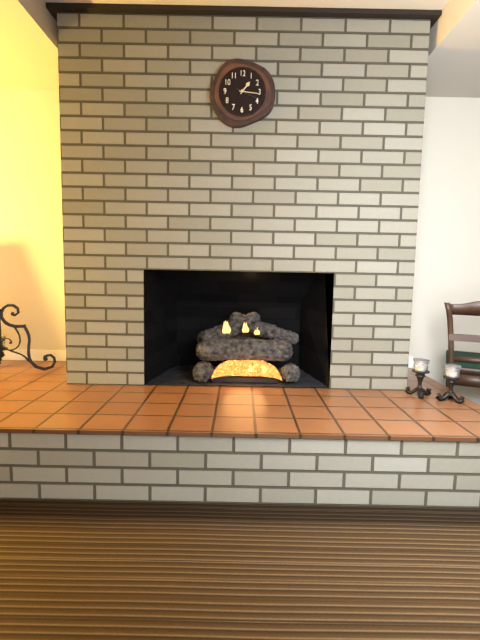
1:16
